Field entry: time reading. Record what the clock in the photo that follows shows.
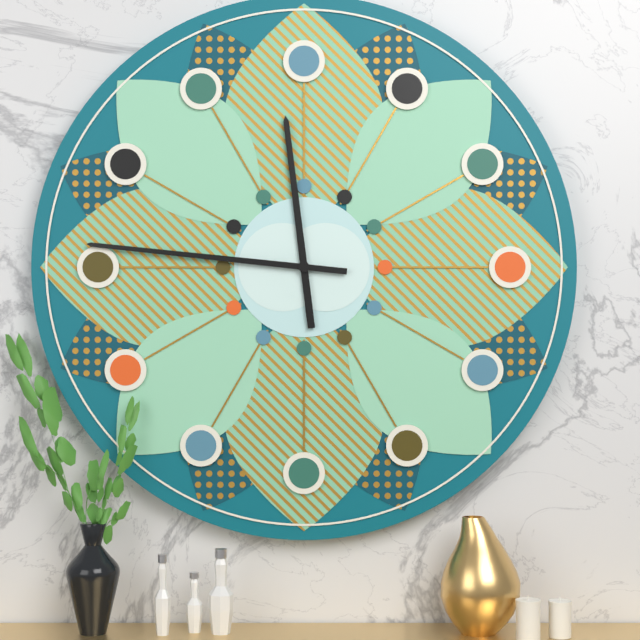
11:46
